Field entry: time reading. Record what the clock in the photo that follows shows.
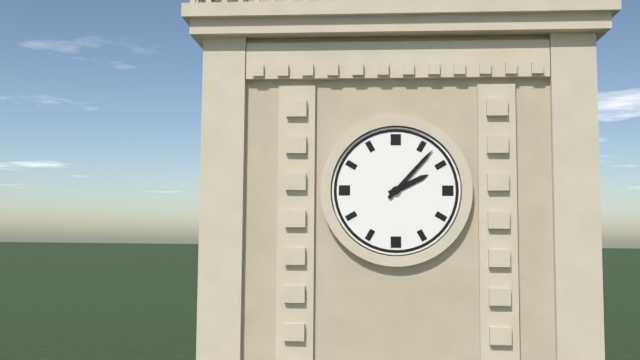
2:07
